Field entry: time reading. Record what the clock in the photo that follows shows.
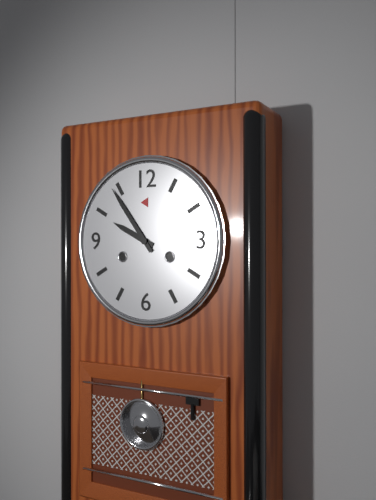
9:54
